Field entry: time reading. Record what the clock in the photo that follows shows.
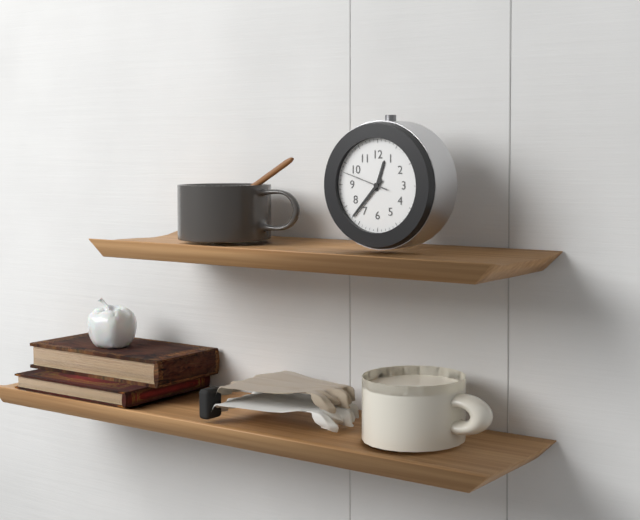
12:37
